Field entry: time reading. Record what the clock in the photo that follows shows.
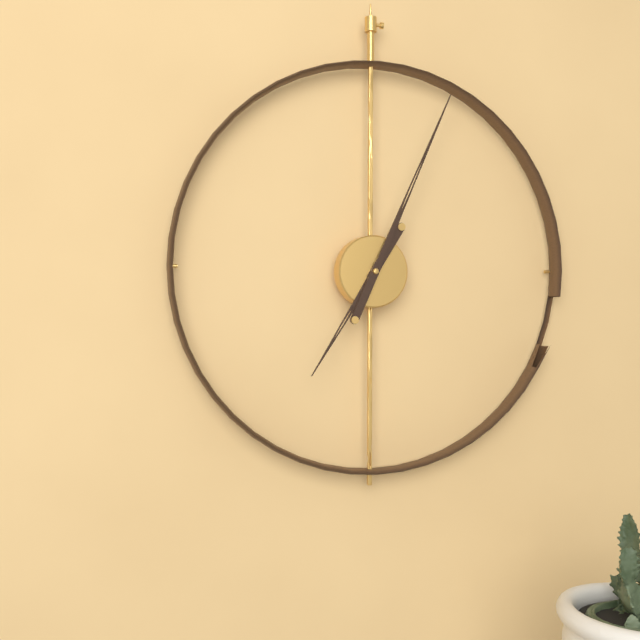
7:04
